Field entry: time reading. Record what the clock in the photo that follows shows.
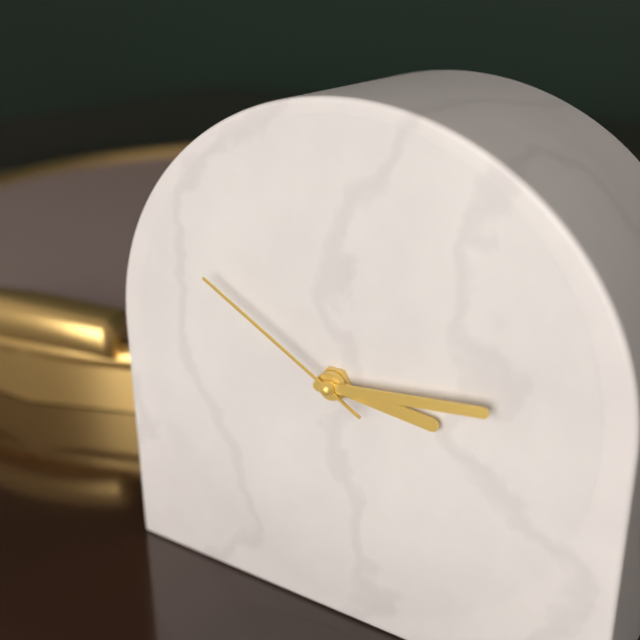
3:14:50
